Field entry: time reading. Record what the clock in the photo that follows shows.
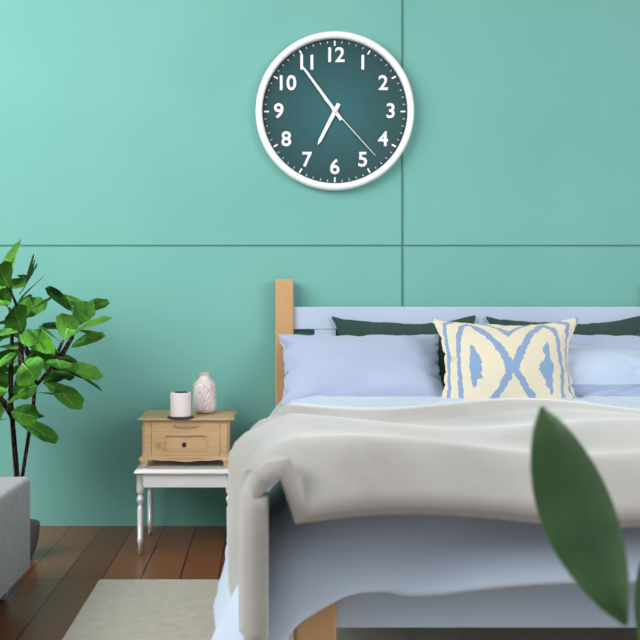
6:54:23
